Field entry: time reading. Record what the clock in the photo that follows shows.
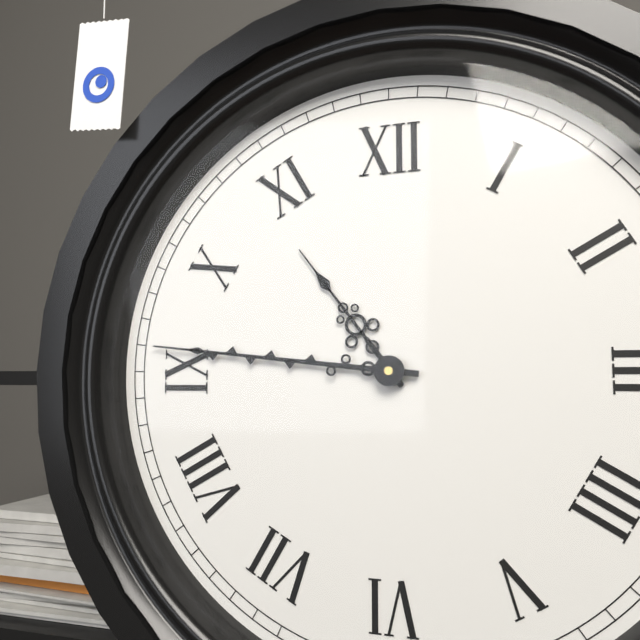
10:46
